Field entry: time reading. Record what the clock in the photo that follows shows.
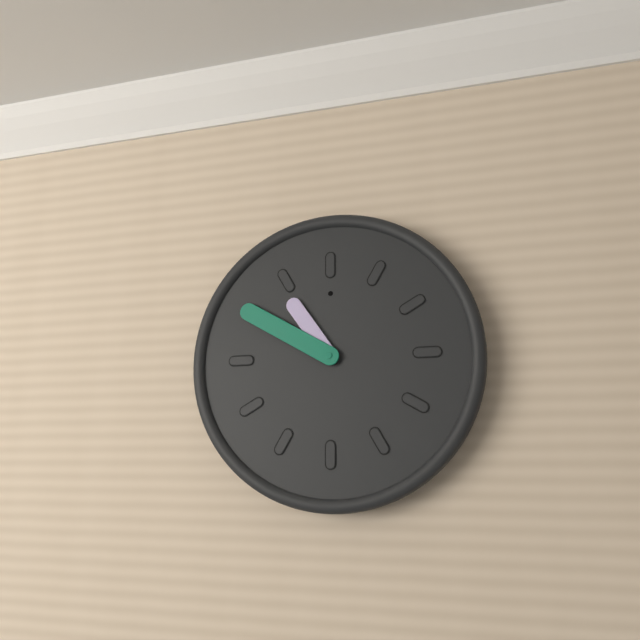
10:50
